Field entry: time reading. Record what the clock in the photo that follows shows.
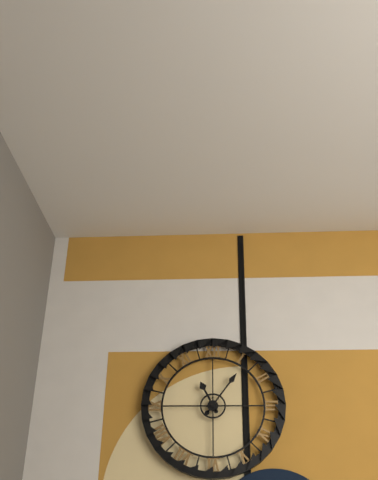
11:06
